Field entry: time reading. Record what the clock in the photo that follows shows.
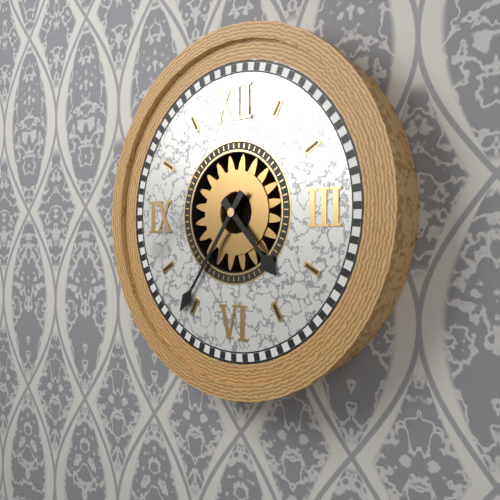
4:36
